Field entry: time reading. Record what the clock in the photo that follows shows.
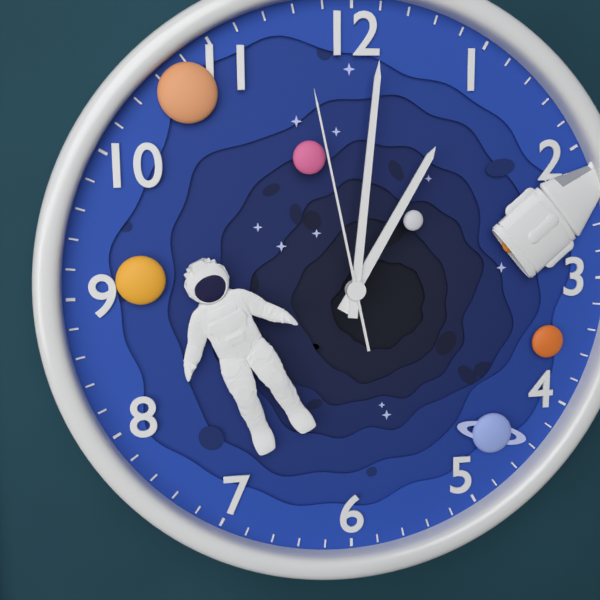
1:01:58
